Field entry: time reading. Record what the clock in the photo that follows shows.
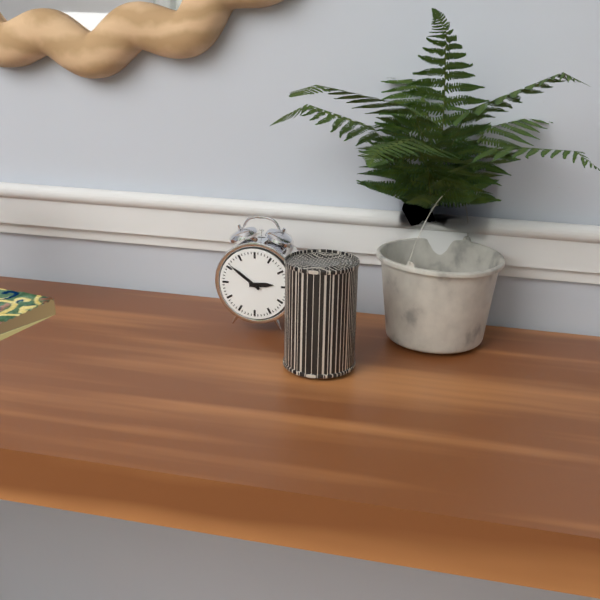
2:51
